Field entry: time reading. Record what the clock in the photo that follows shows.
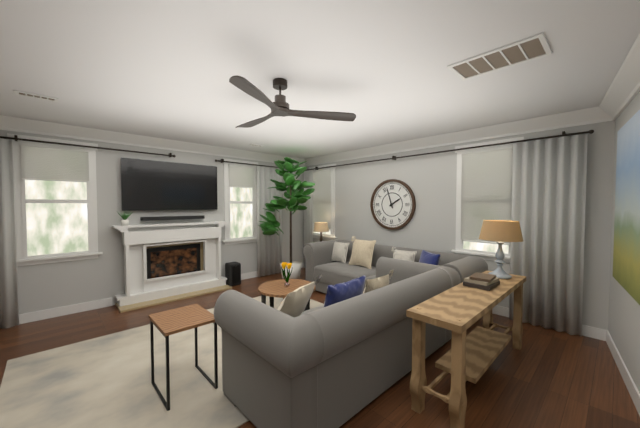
1:57
